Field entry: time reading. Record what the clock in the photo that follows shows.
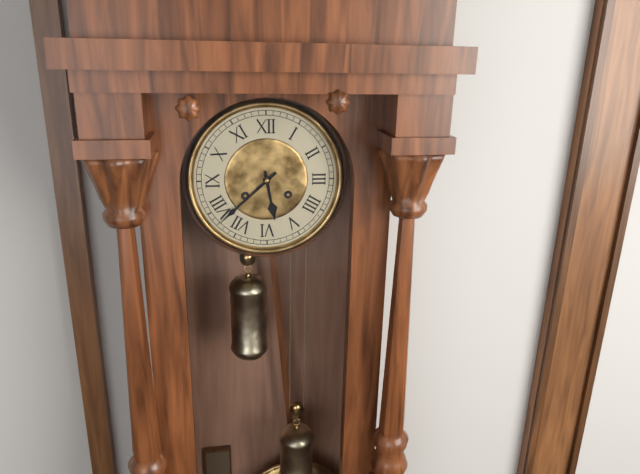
5:38
